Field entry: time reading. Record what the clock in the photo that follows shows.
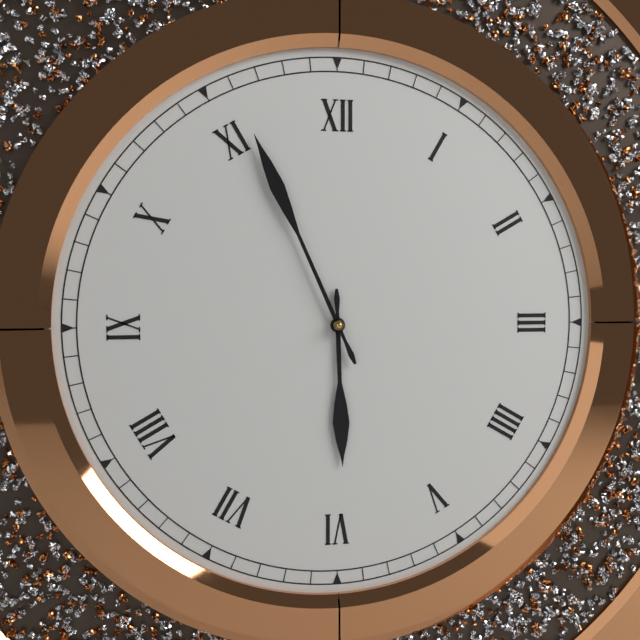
5:56
